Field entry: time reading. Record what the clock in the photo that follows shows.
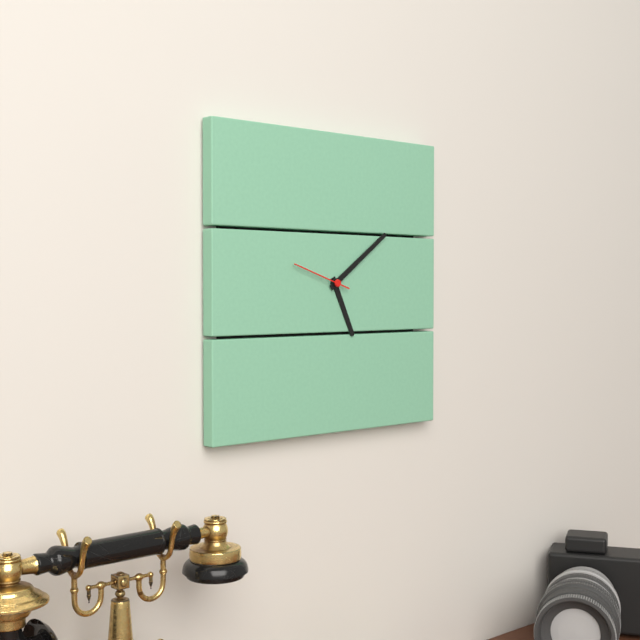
5:09:48
